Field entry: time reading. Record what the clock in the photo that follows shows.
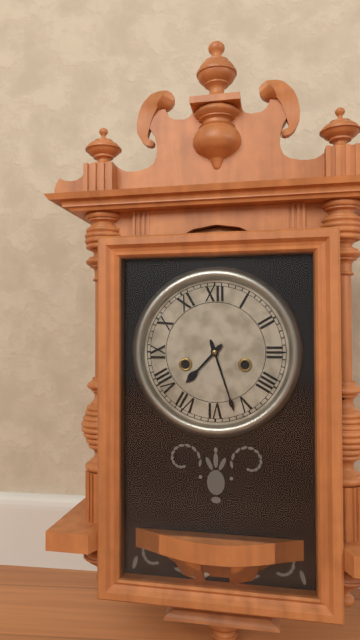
7:27
